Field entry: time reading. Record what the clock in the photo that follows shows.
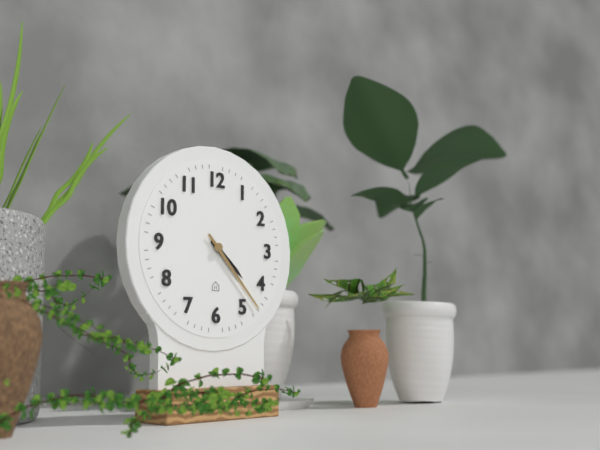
4:23
